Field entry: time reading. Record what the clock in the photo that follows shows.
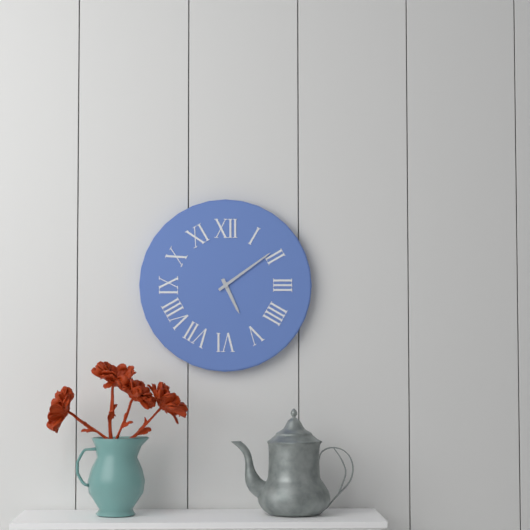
5:09
